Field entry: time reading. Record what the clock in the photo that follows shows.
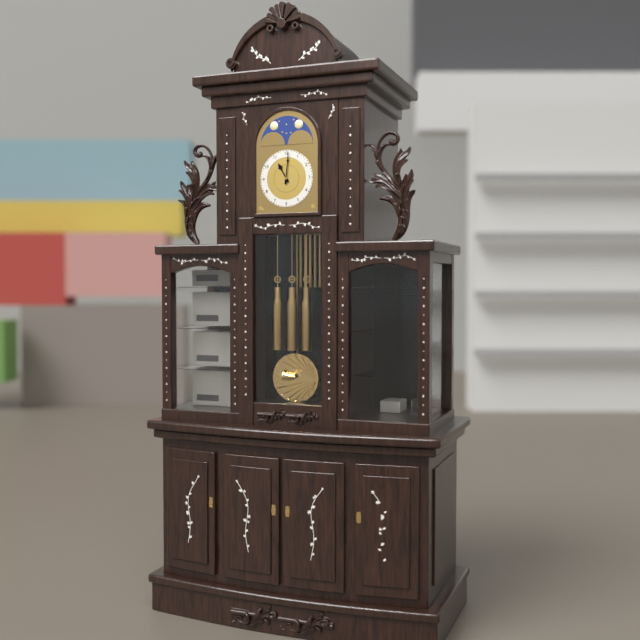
11:01
